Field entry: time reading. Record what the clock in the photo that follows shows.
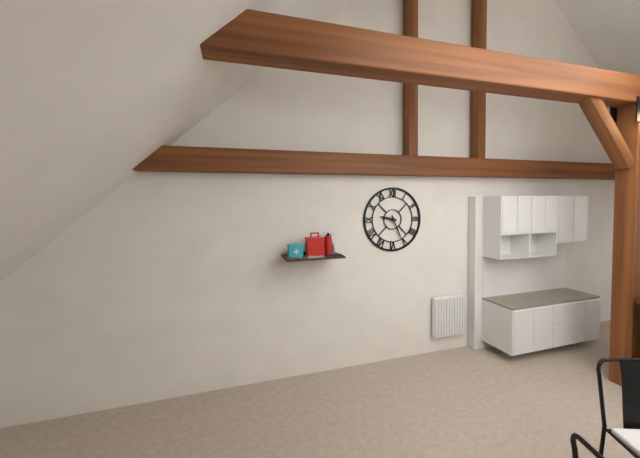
9:26
